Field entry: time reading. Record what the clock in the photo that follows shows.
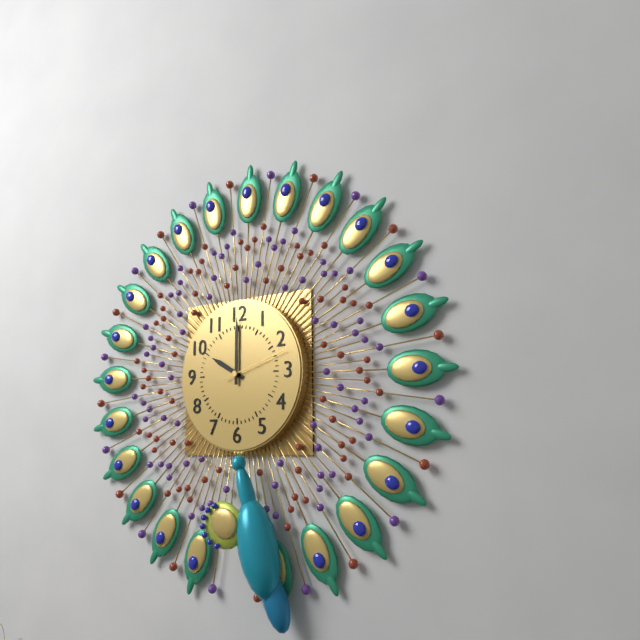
10:00:12
